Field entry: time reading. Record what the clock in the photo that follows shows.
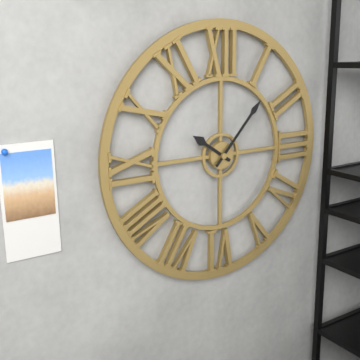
10:07
